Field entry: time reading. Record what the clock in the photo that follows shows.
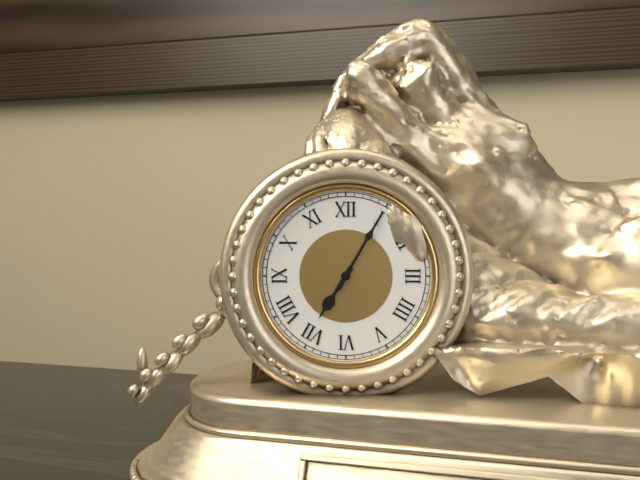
7:05
